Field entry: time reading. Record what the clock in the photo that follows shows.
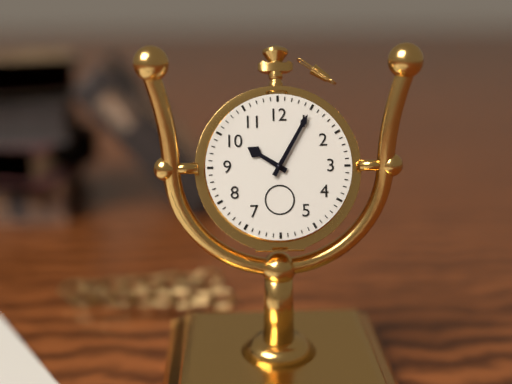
10:05
